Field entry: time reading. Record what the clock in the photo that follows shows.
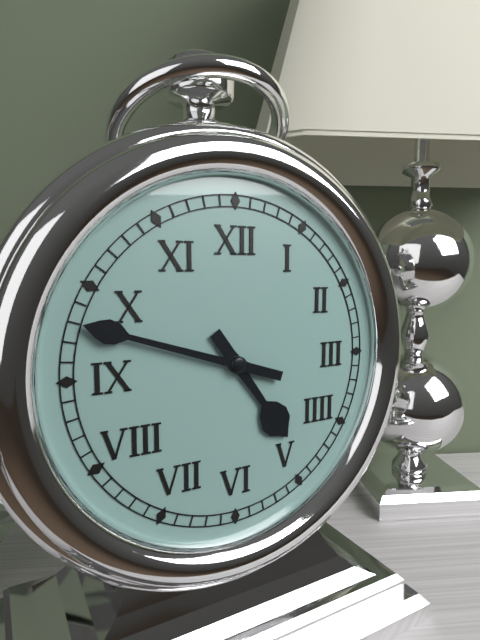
4:48
